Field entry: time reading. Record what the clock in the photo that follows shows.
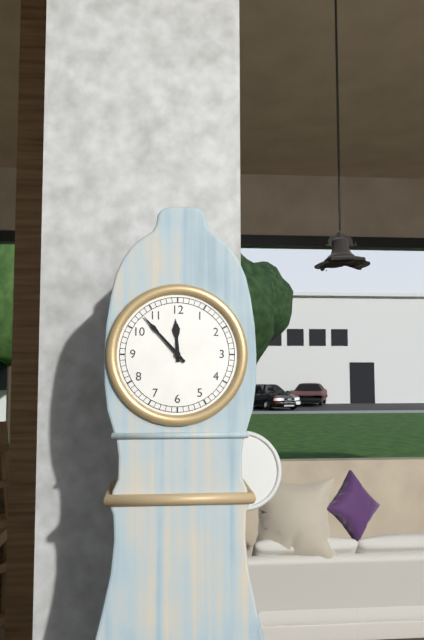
11:53
